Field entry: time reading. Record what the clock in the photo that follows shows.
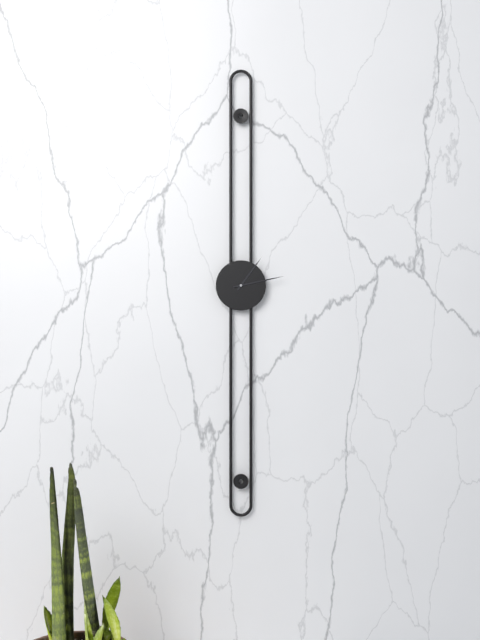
1:13
